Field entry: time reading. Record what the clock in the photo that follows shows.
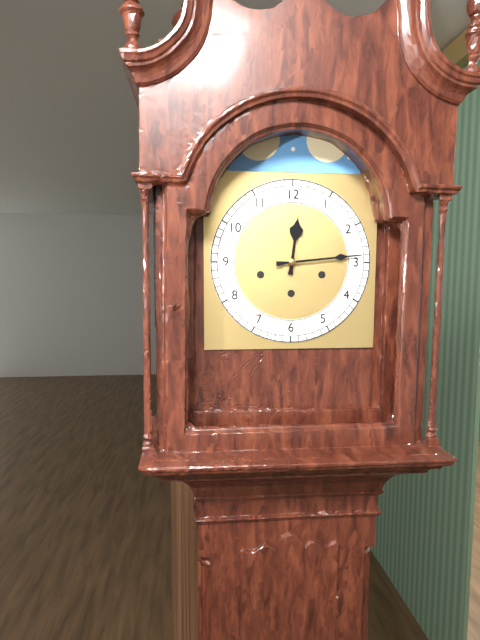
12:14
